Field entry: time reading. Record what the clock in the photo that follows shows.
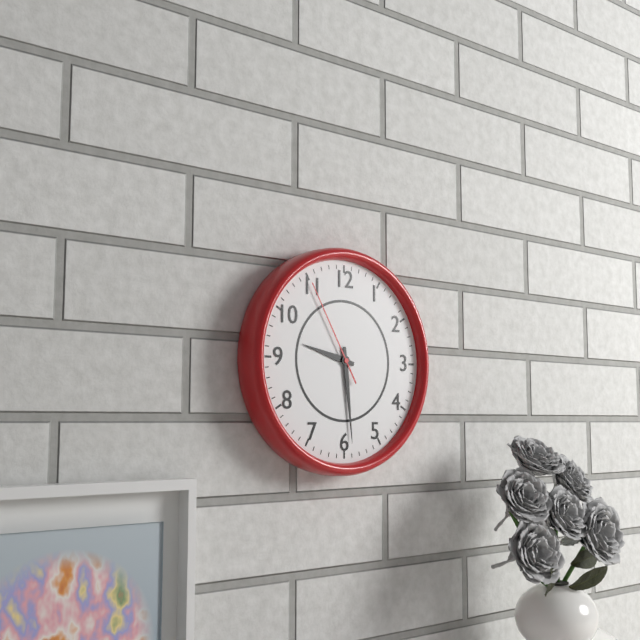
9:29:55
